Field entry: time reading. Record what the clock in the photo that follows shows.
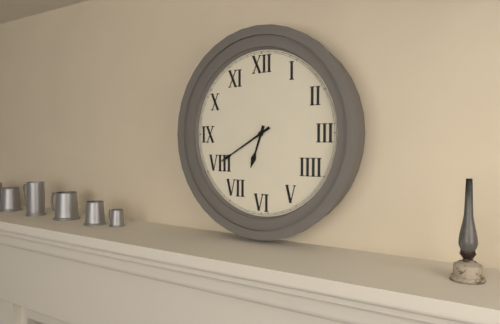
6:40
